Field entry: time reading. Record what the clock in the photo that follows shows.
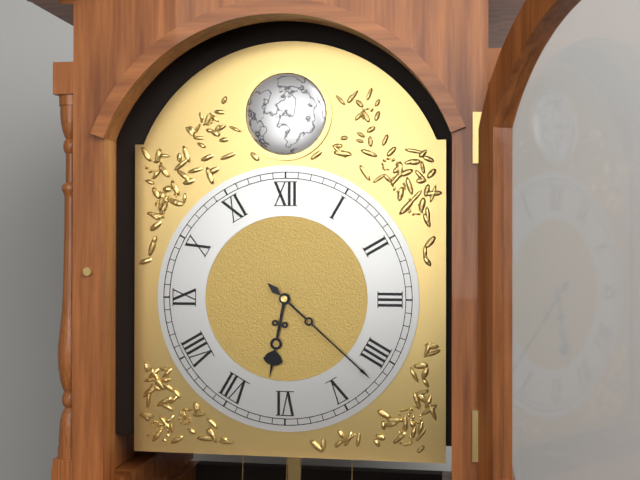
6:22
